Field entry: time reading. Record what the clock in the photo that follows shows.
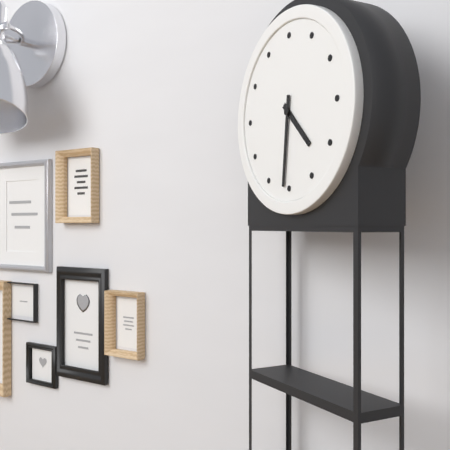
4:31
